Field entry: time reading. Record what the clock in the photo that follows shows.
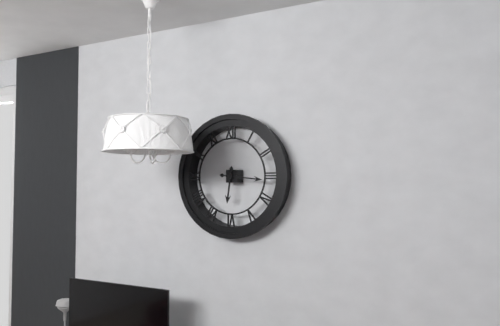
6:16
